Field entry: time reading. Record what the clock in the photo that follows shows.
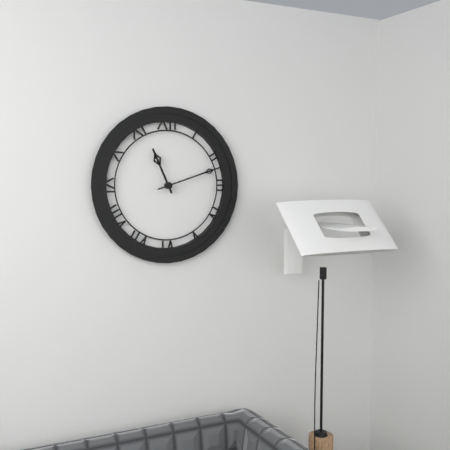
11:12
